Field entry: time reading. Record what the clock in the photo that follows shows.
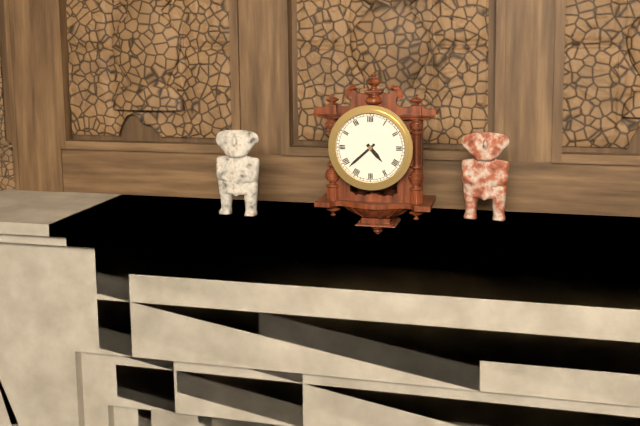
4:38
